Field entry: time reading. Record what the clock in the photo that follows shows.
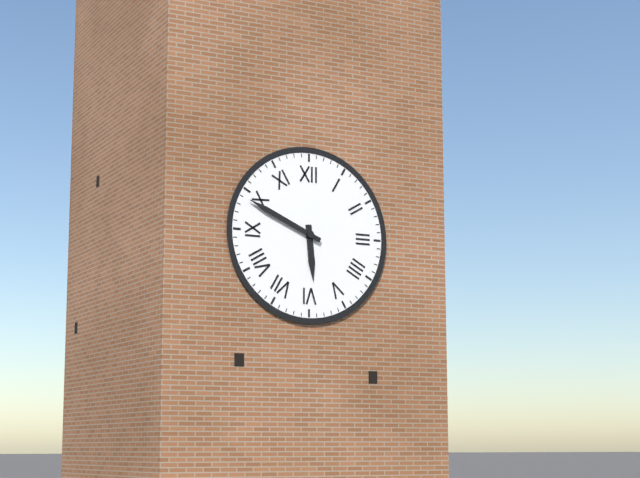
5:49
